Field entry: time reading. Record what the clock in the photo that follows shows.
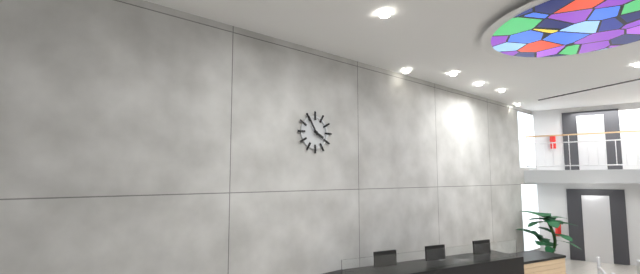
3:55
